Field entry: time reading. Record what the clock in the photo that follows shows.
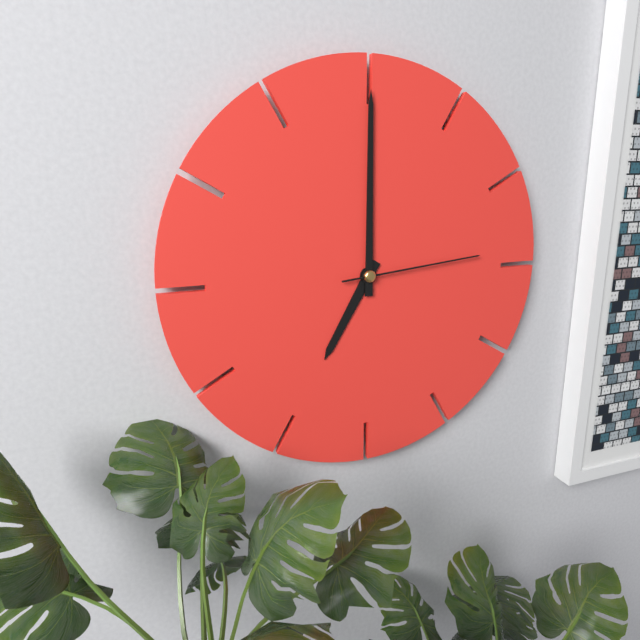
7:00:14
